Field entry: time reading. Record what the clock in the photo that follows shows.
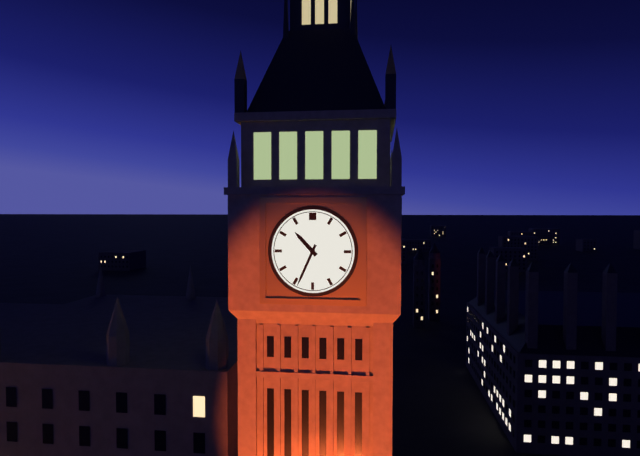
10:34
